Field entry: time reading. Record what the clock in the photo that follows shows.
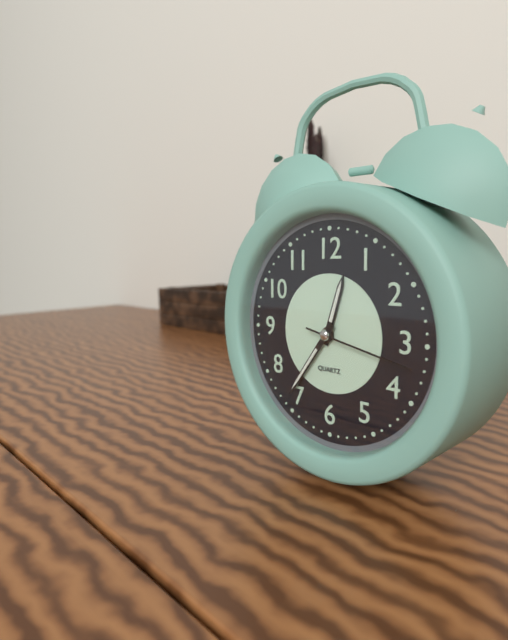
12:36:17
